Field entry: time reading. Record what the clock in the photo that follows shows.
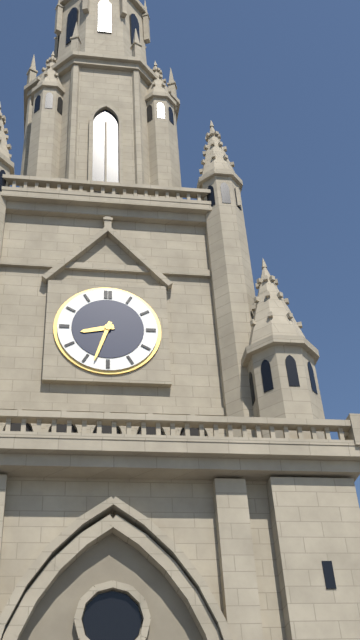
8:33
